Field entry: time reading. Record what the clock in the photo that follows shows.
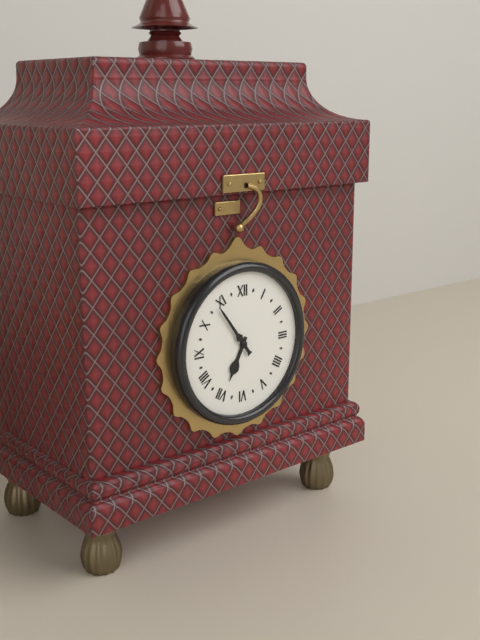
6:54
